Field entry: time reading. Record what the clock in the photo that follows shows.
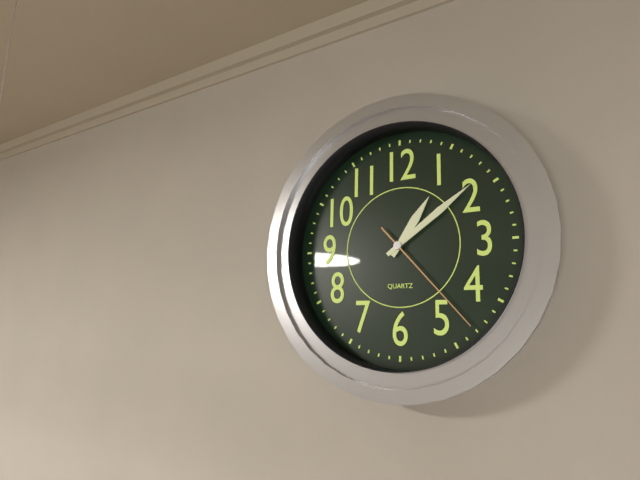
1:09:23
